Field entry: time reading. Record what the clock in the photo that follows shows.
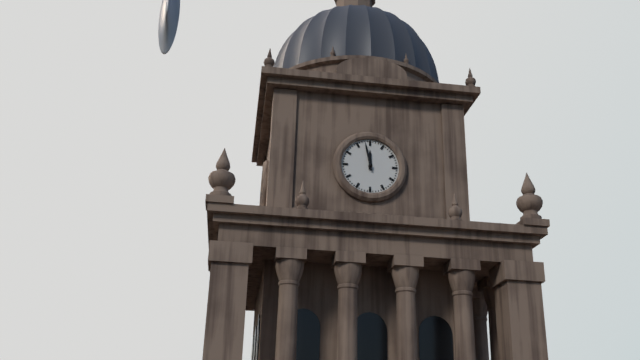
11:58
